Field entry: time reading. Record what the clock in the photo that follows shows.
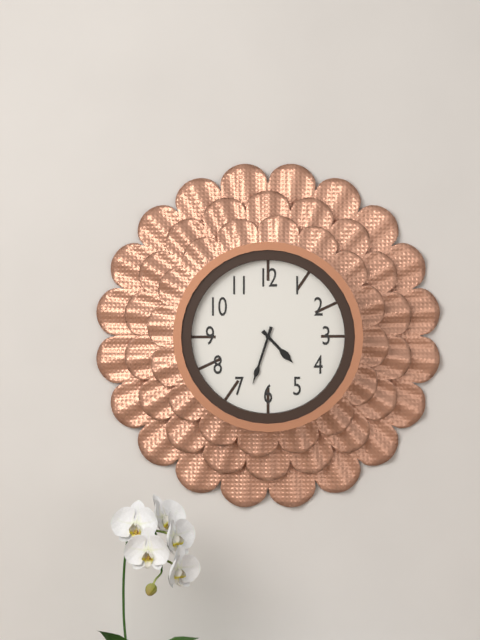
4:33
